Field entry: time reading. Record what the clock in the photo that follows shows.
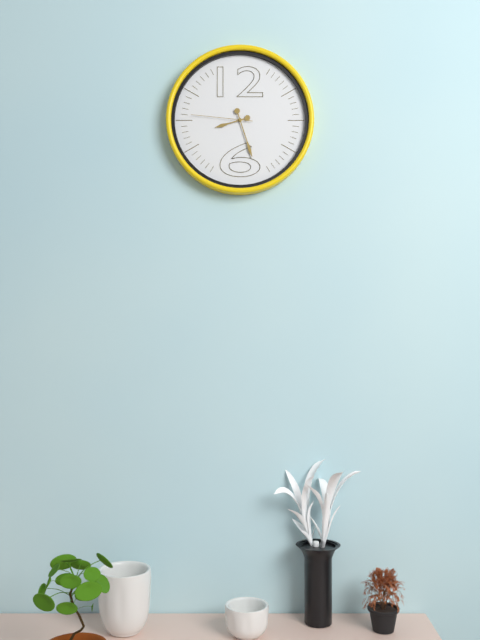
8:27:46
